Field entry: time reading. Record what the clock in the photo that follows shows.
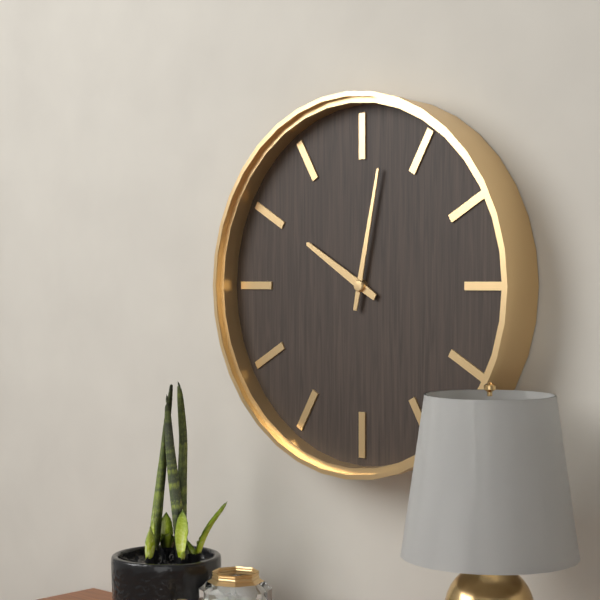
10:02
